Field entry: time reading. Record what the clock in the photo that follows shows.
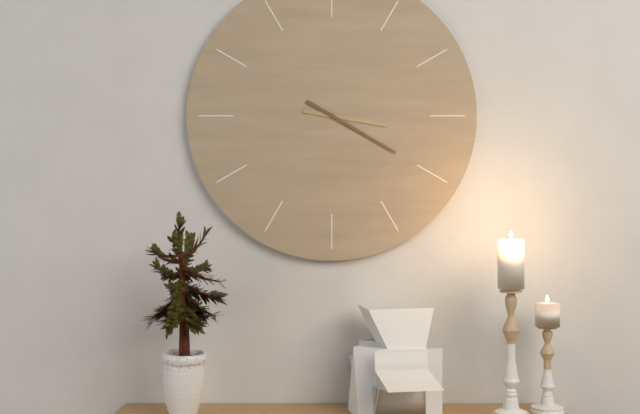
3:20
